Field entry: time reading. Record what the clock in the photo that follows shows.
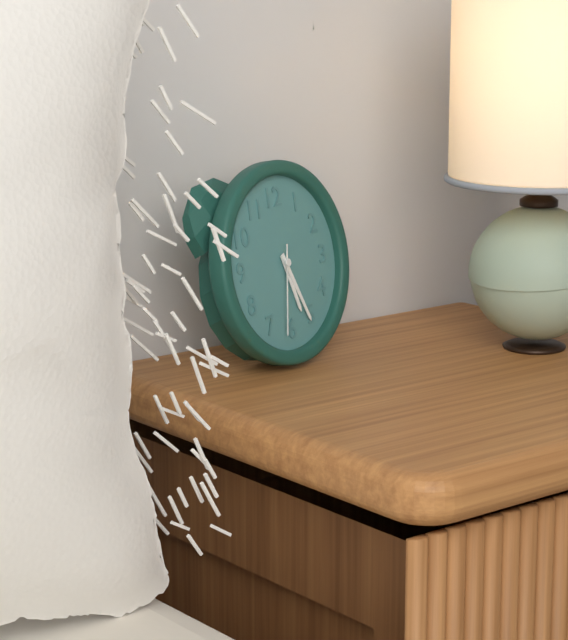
5:26:32
